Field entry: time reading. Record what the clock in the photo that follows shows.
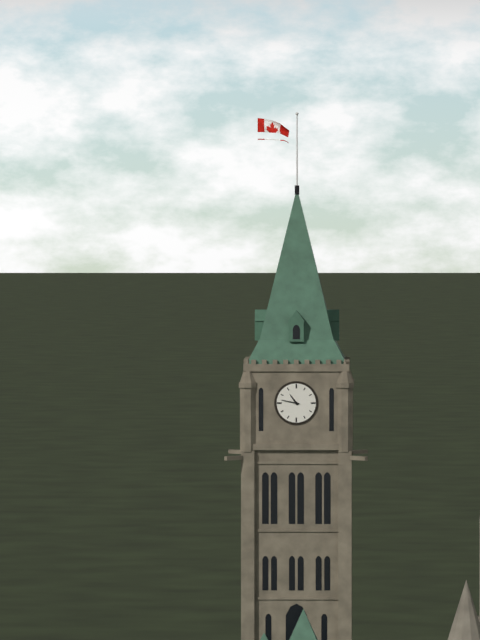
10:47
